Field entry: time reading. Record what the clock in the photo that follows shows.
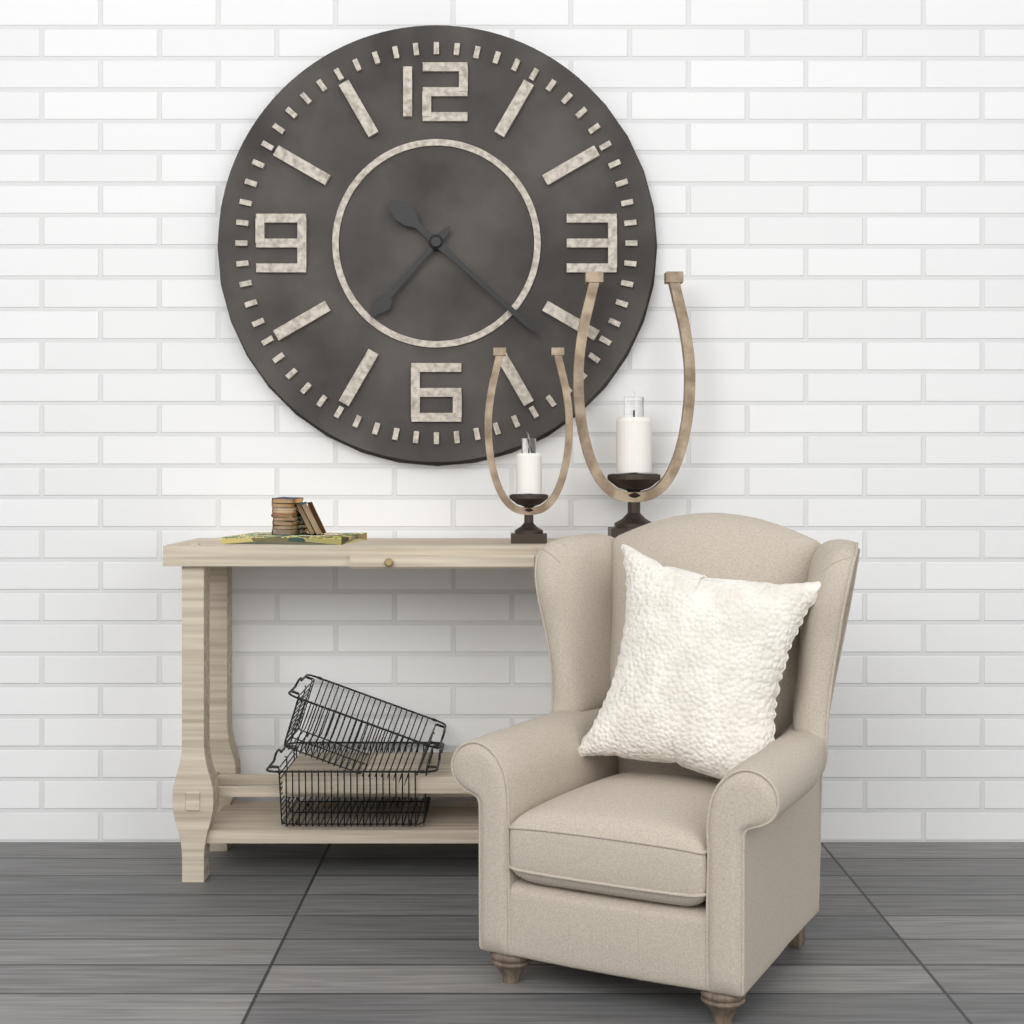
7:22
